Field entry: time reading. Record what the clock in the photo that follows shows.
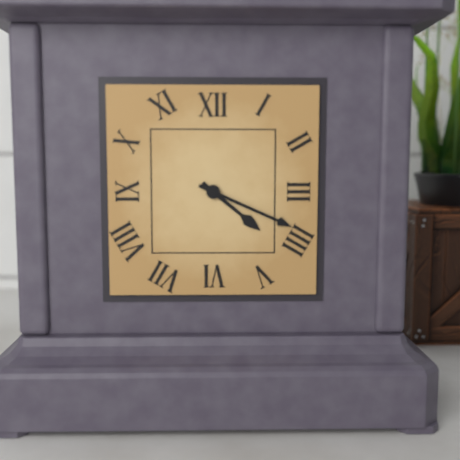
4:19
